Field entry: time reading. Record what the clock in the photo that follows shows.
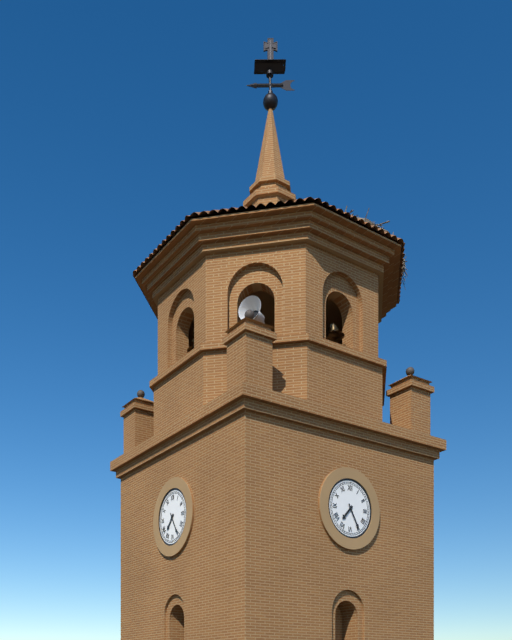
7:25
